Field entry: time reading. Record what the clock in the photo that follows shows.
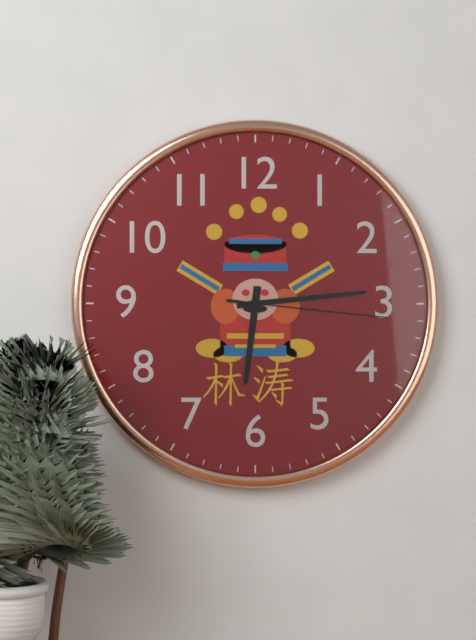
6:14:16
